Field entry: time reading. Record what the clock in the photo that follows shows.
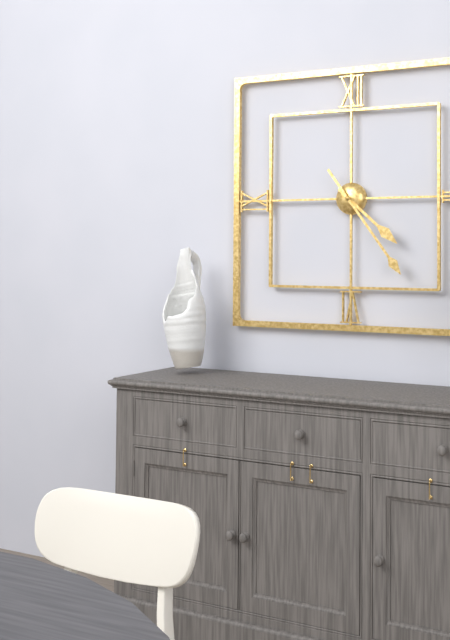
4:24
